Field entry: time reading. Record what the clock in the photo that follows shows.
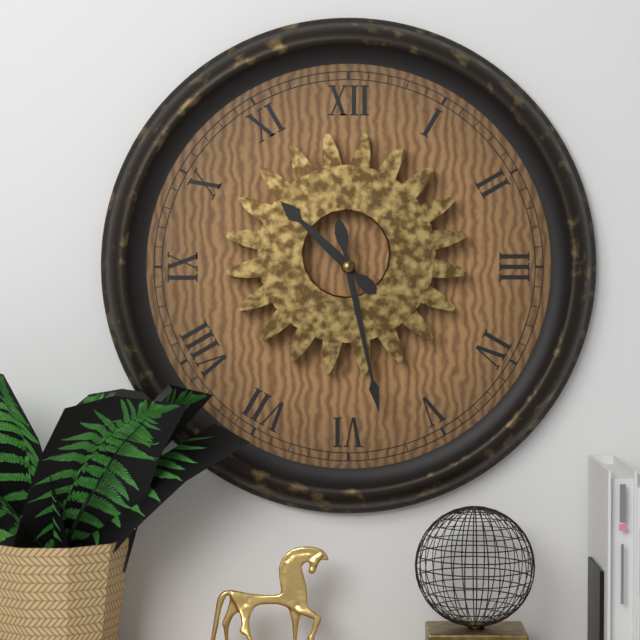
10:28
